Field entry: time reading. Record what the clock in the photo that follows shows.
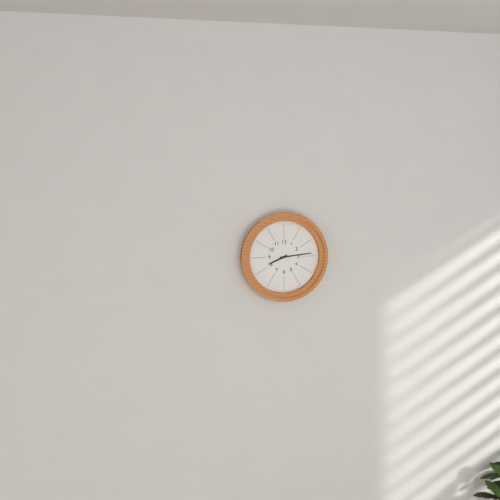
8:14
